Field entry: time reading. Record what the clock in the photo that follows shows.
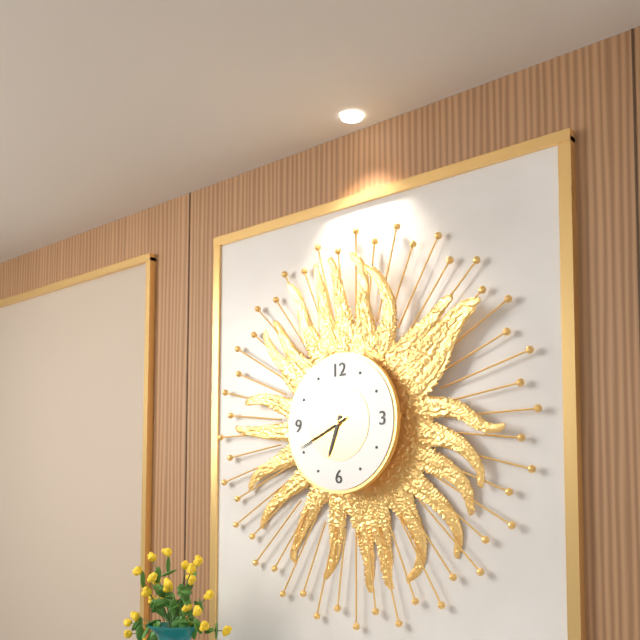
6:41:41
